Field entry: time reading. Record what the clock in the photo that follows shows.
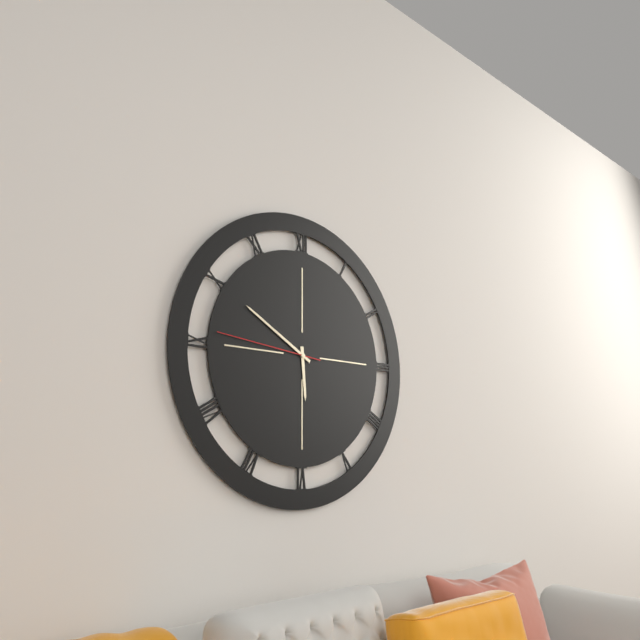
5:50:46
